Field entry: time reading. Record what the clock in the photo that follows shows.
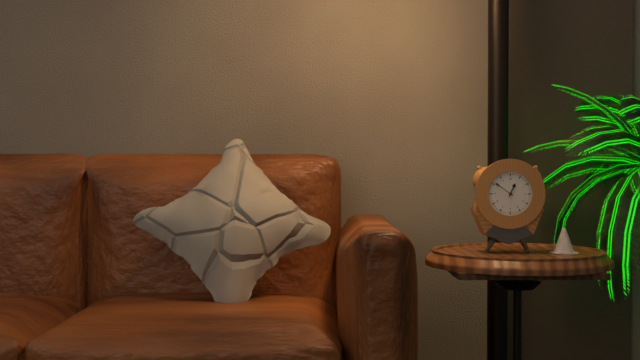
12:51
